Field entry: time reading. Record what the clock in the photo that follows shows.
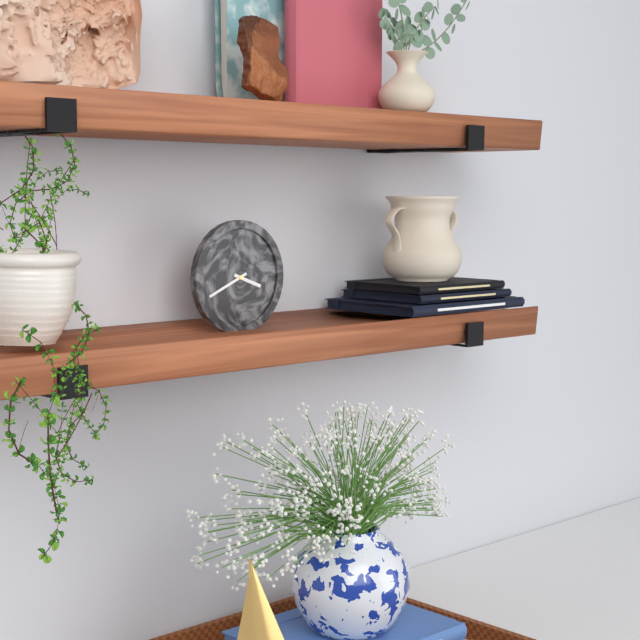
3:41
